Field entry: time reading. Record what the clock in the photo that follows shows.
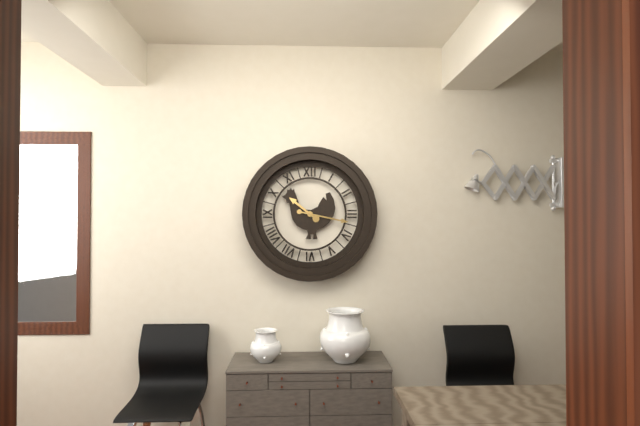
10:17
